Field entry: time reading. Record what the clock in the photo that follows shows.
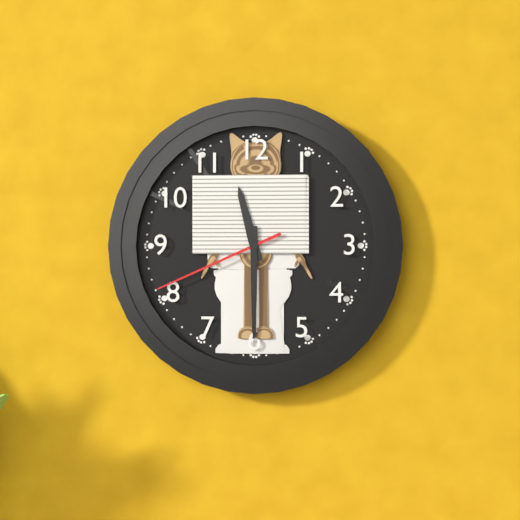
11:30:41
